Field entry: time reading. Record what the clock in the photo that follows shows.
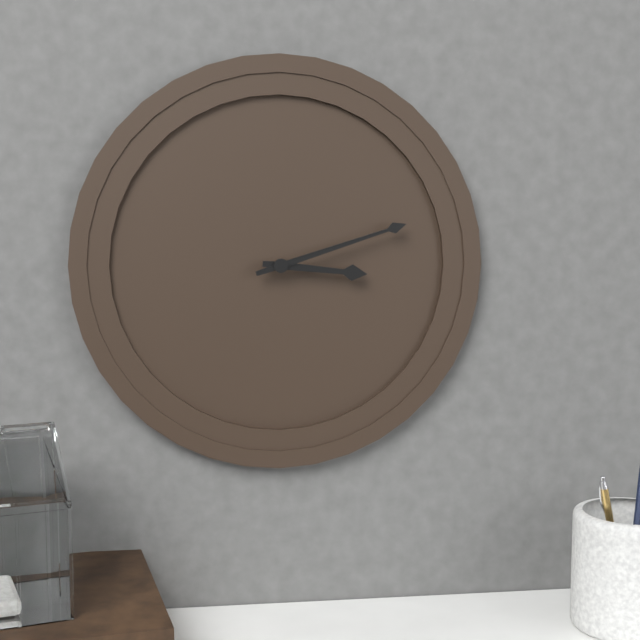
3:12
